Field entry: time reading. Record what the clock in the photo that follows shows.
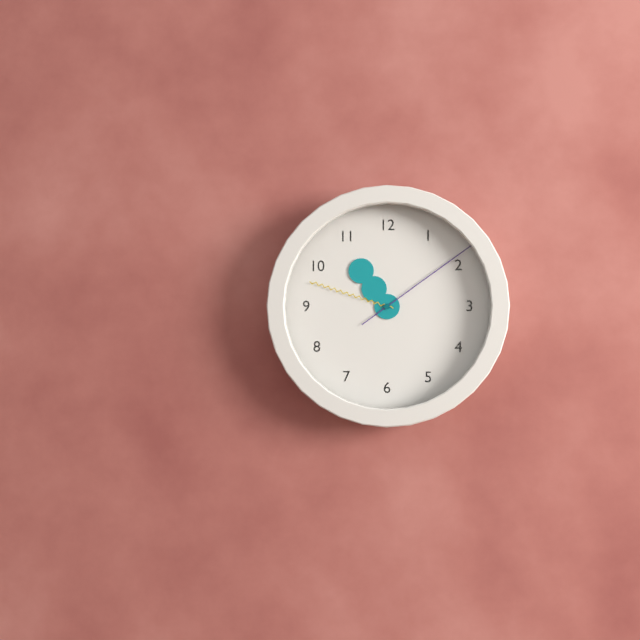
10:48:09
